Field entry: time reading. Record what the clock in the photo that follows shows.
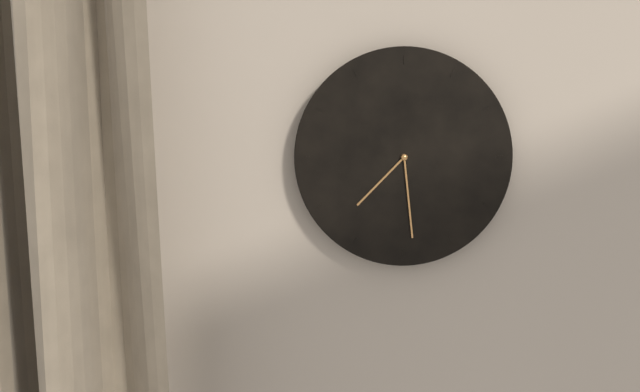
7:29
